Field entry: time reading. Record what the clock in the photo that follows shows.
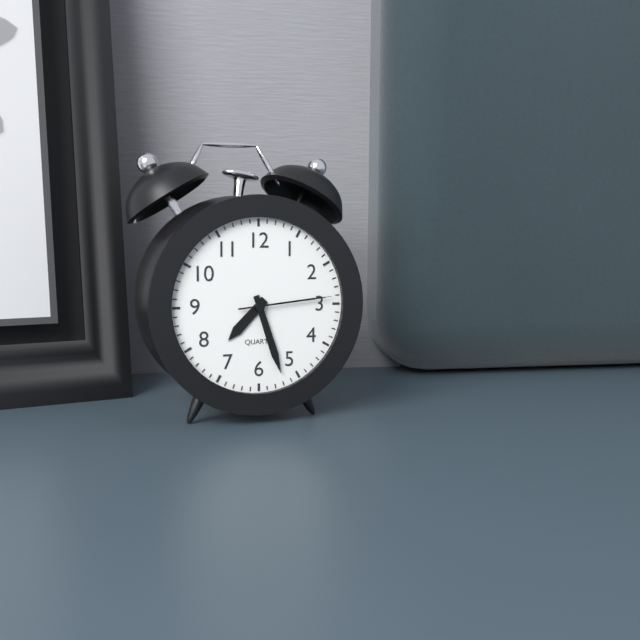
7:27:14
